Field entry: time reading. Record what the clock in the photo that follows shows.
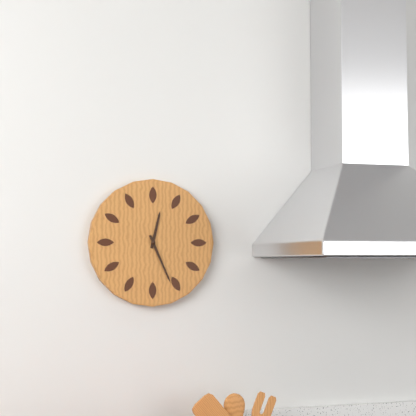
12:26
